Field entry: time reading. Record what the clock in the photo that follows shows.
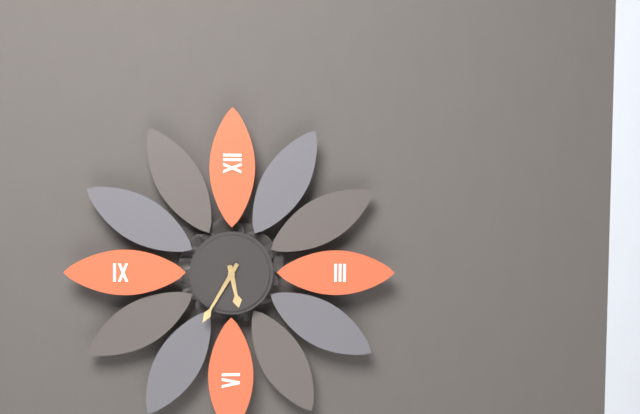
5:35
